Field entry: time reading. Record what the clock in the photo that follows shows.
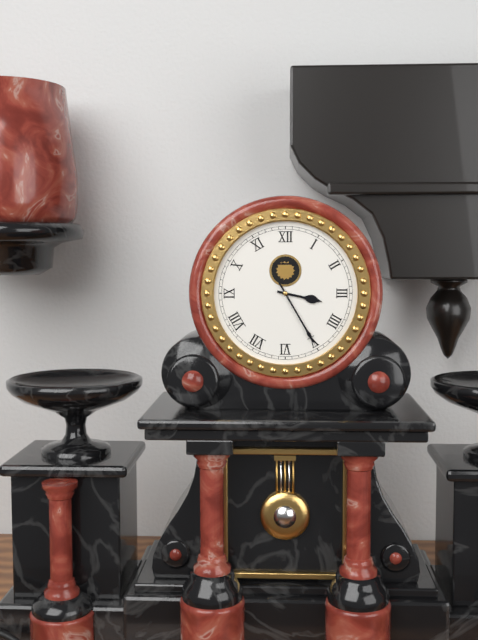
3:25
